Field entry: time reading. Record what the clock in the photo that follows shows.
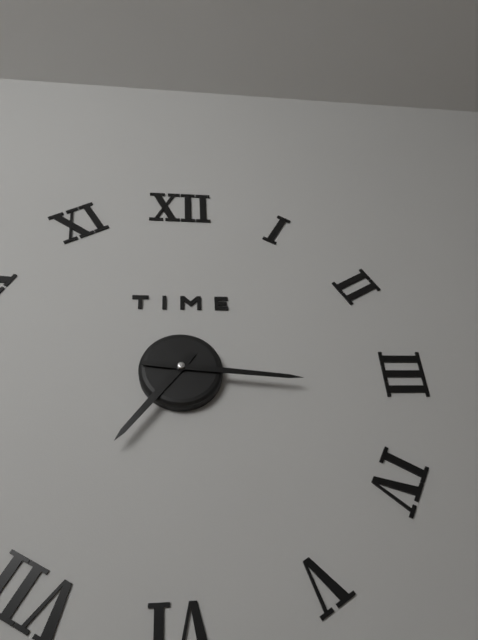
7:16
